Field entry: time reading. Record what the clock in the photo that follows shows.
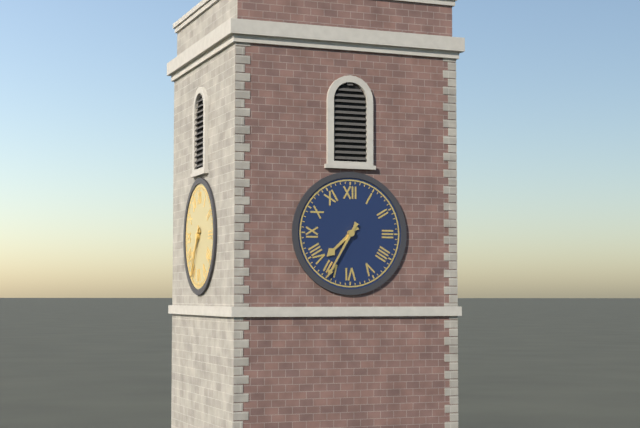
7:35
